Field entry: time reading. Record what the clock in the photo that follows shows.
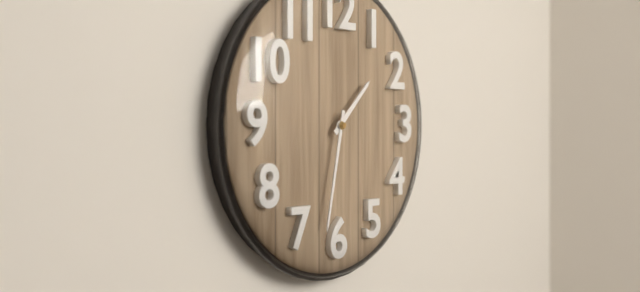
1:32
